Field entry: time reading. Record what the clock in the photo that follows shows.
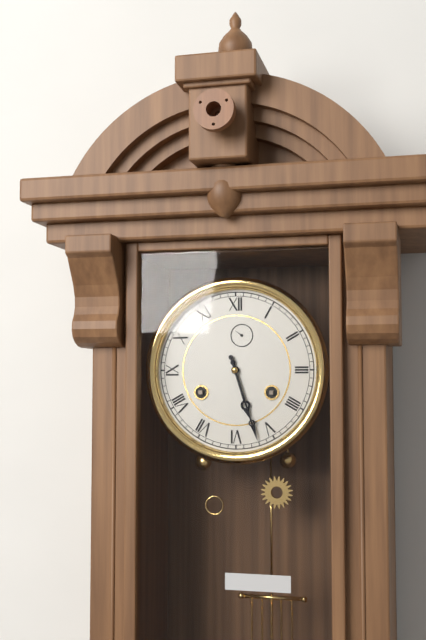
5:27
